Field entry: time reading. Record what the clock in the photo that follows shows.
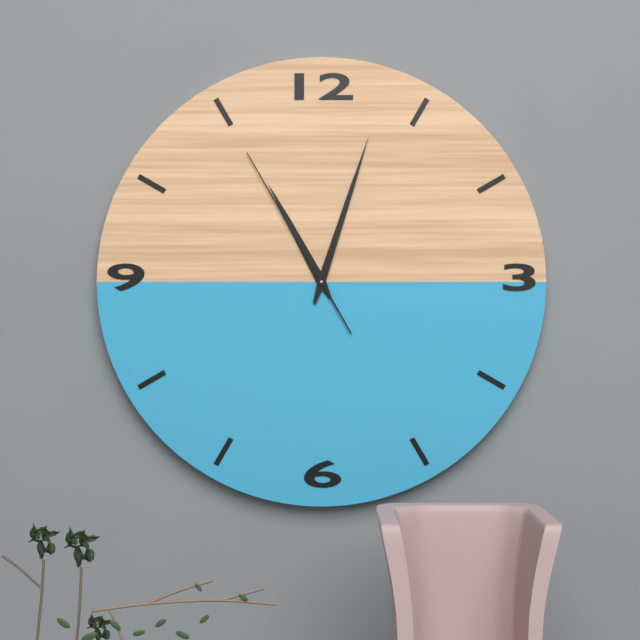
11:03:55
